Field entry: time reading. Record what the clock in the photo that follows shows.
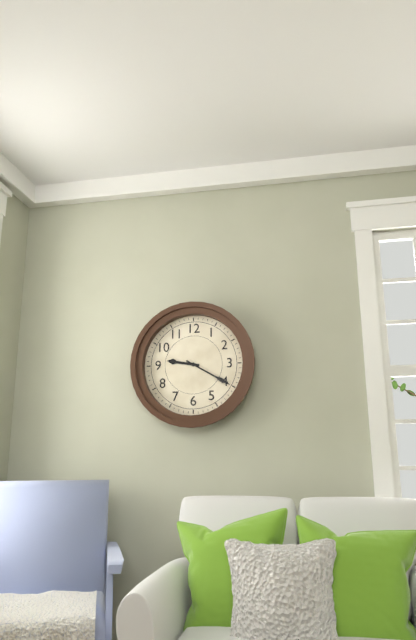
9:20
